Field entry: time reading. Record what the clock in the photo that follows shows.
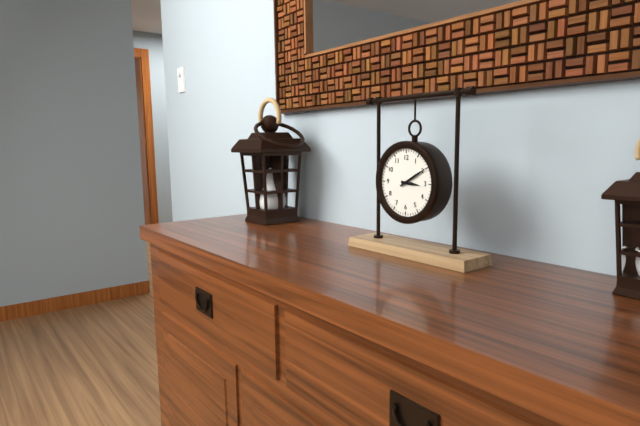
3:10
